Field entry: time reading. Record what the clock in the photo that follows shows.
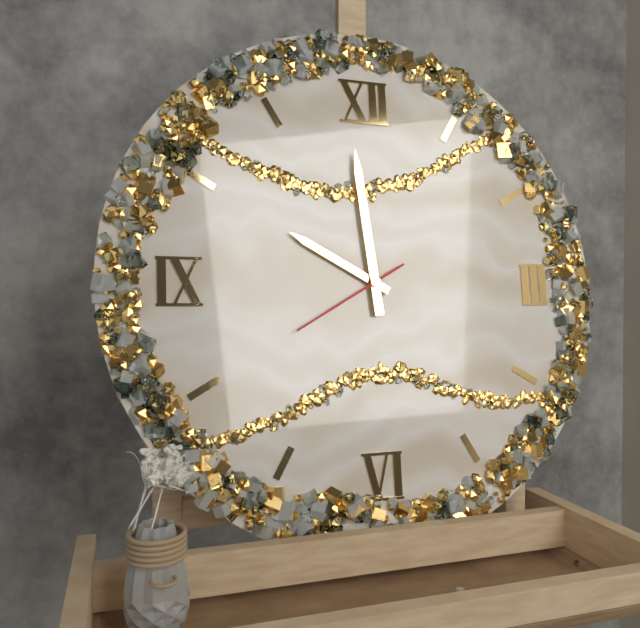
9:59:40
